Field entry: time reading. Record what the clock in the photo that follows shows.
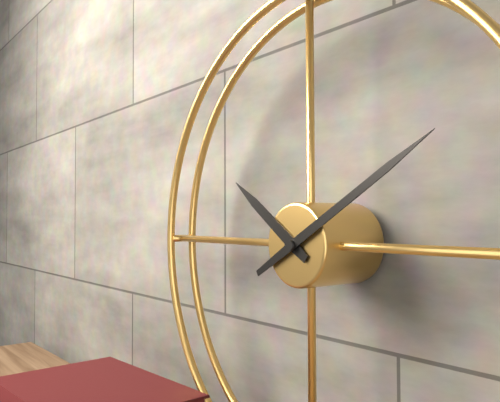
10:10
